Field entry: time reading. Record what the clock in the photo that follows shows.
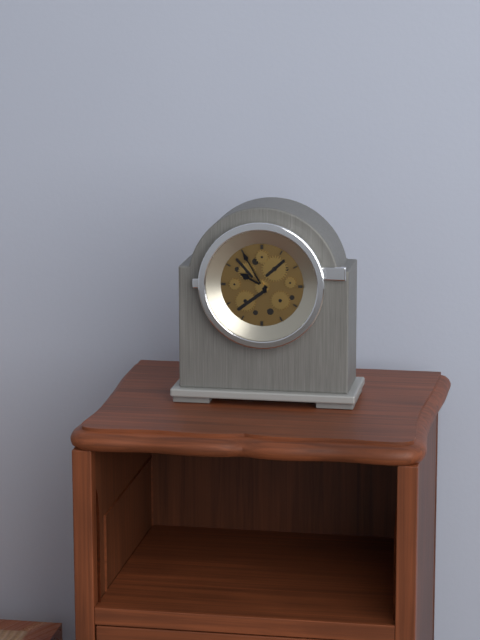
9:55
